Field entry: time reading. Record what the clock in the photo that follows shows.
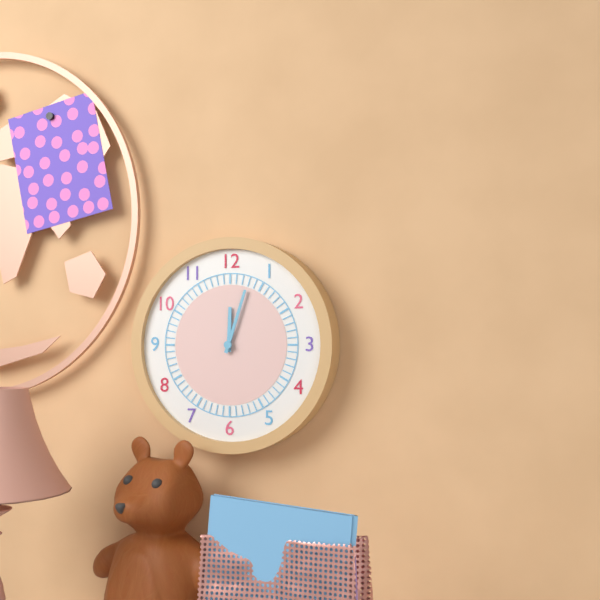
12:03
